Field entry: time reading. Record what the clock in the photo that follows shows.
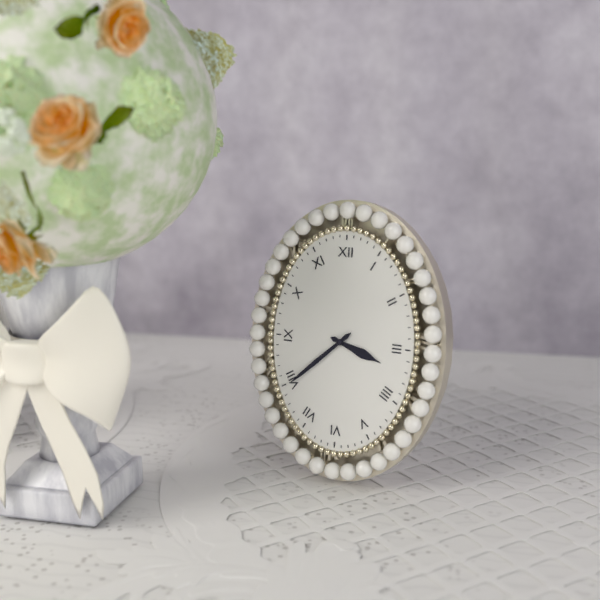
3:38
